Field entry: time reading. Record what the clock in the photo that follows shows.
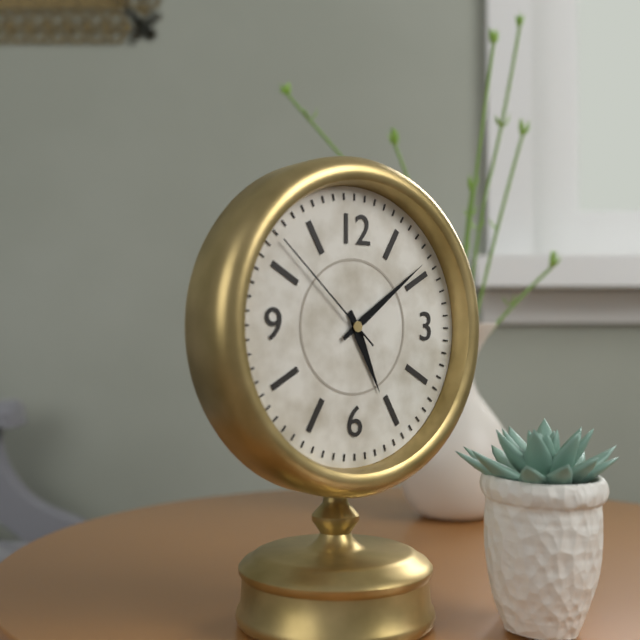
5:09:52
